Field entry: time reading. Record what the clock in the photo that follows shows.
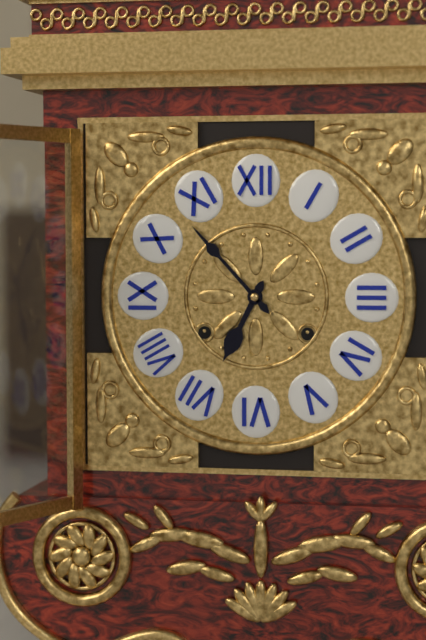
6:53
